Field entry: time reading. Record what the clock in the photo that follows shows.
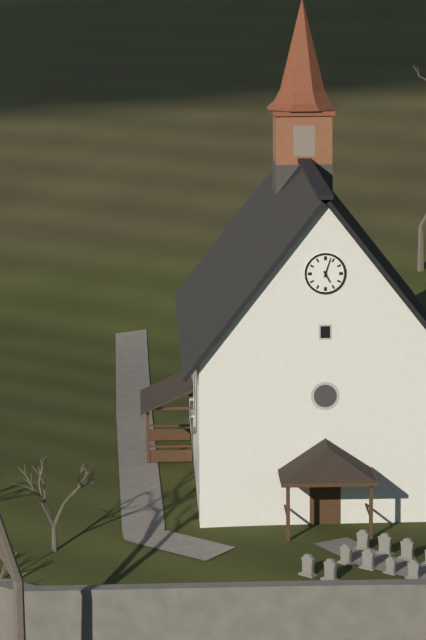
5:03
